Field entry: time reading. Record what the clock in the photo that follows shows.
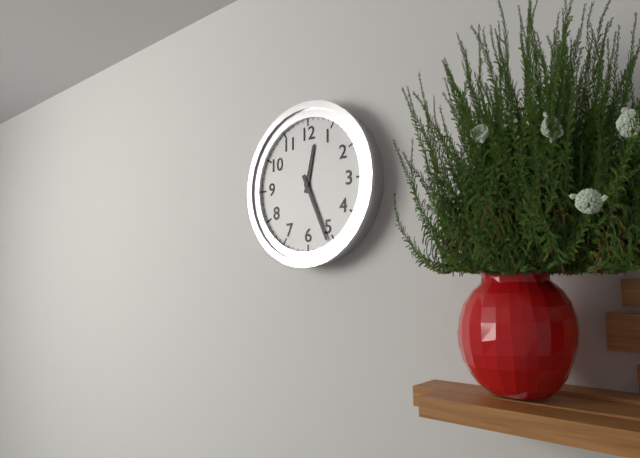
12:26
